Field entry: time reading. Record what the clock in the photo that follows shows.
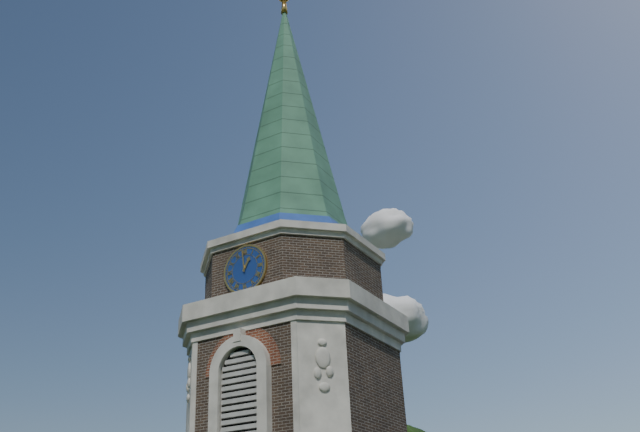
12:59
